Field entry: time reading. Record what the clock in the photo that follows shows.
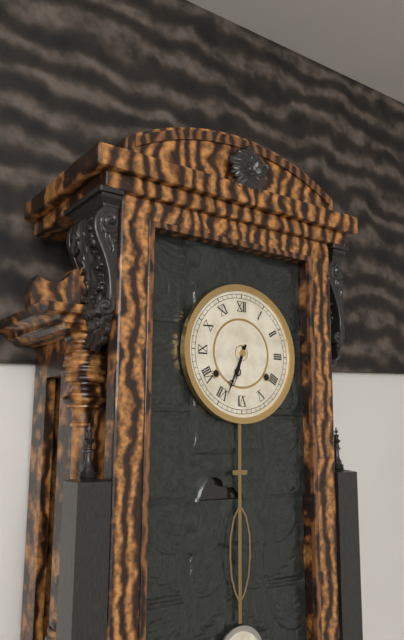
6:34
